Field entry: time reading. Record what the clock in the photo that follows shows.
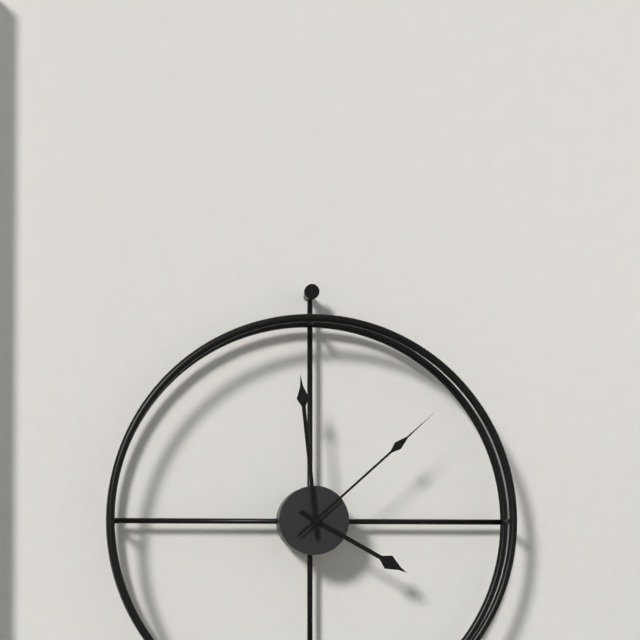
3:59:08
